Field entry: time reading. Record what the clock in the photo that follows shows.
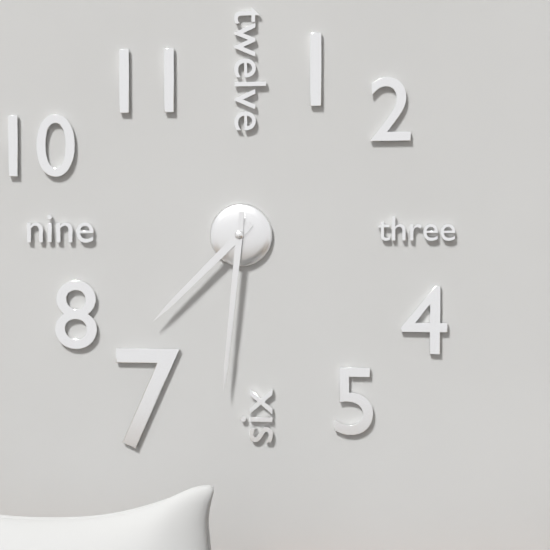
7:31
